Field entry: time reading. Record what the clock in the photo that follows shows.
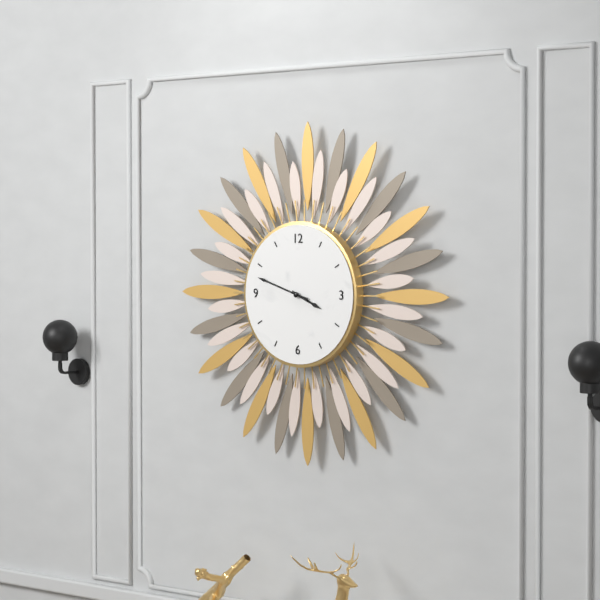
3:48
